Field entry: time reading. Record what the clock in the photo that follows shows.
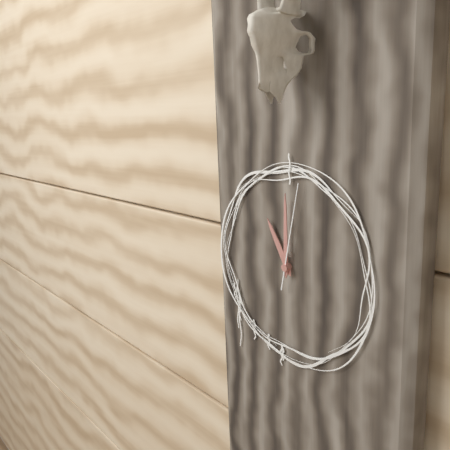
11:00:02
